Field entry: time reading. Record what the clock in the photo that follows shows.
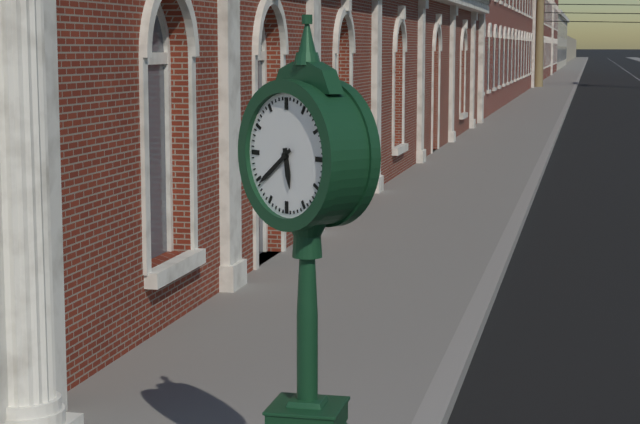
5:39
